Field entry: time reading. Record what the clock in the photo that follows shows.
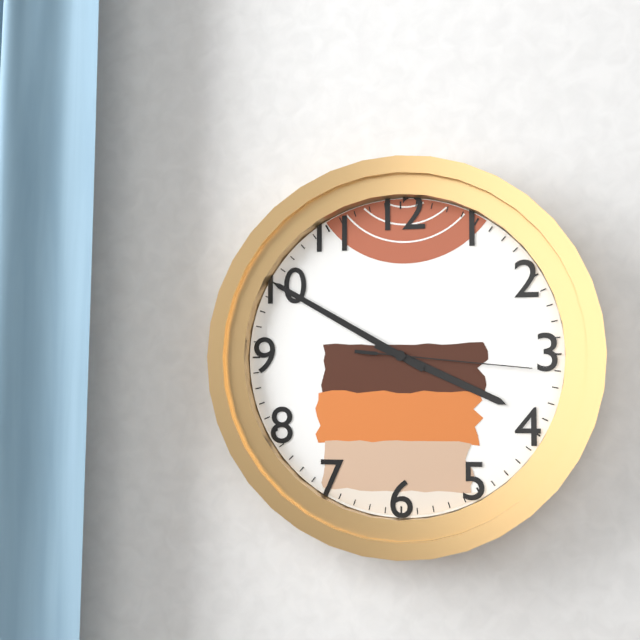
3:50:16
